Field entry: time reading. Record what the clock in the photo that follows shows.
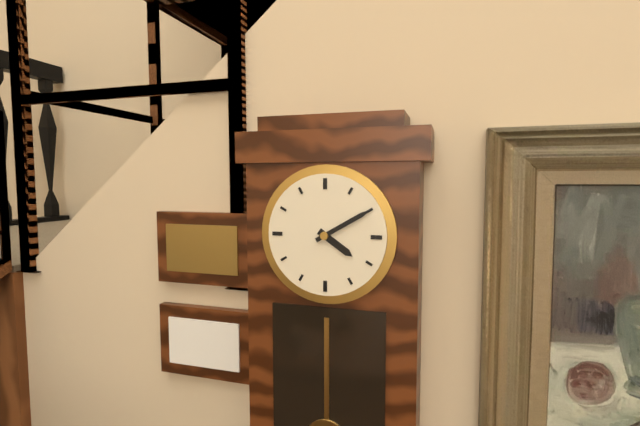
4:10
